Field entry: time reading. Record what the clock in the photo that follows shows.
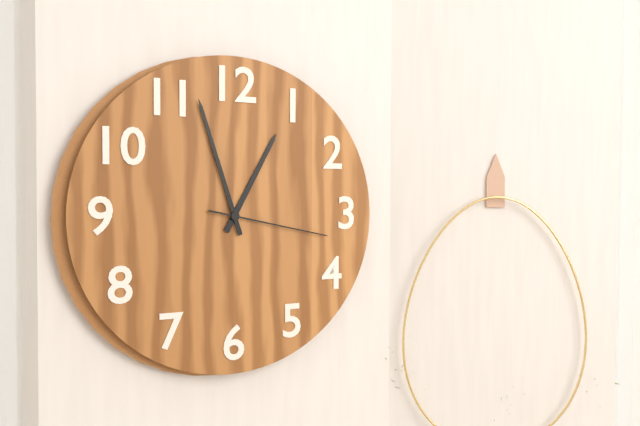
12:57:17
